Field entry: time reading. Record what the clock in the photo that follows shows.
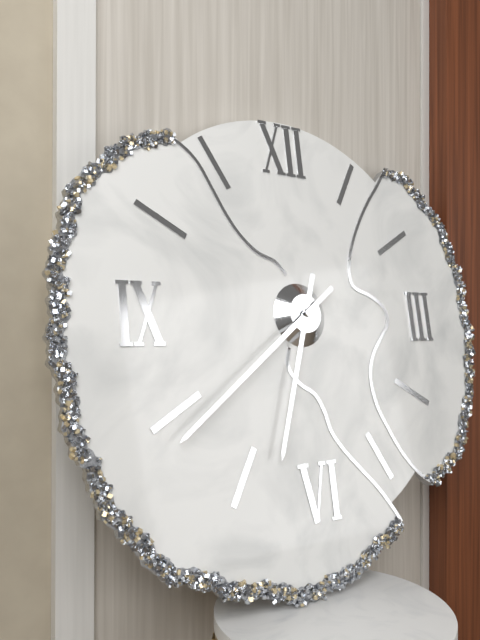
6:39
